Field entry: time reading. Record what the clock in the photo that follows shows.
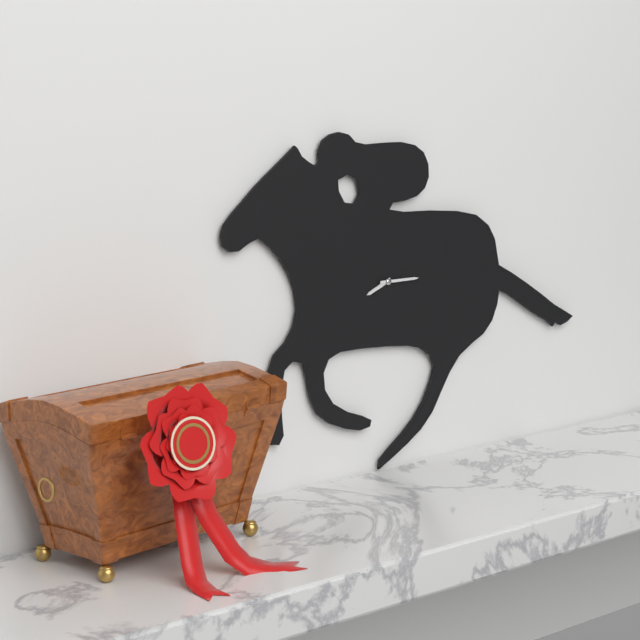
8:15
